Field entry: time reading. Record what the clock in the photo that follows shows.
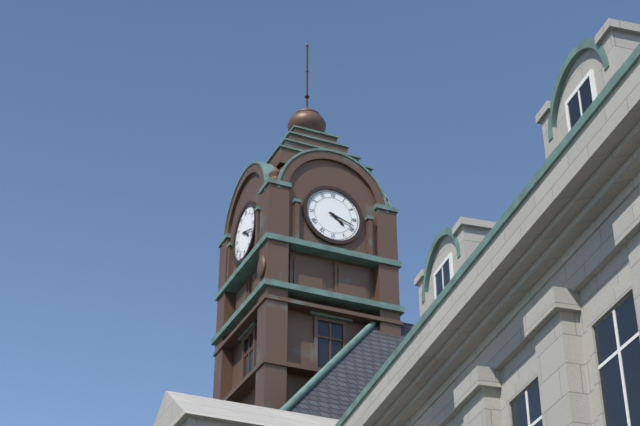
4:18
